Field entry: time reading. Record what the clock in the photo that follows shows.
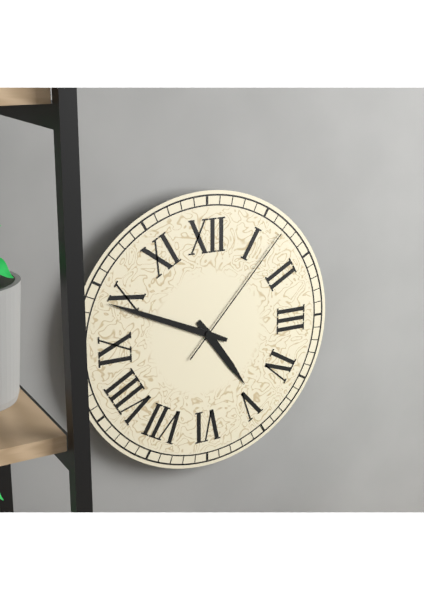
4:49:07
